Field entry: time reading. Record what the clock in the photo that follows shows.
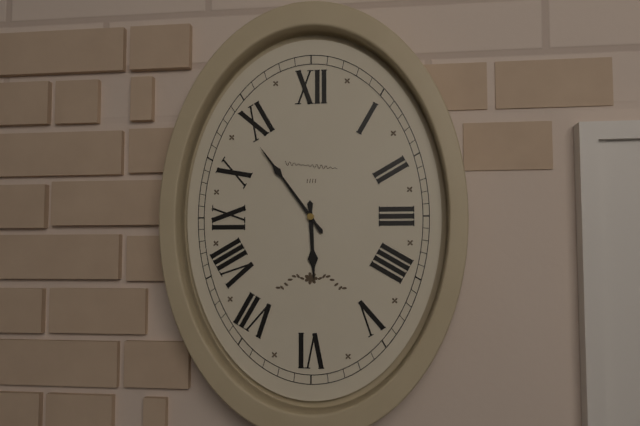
5:54
